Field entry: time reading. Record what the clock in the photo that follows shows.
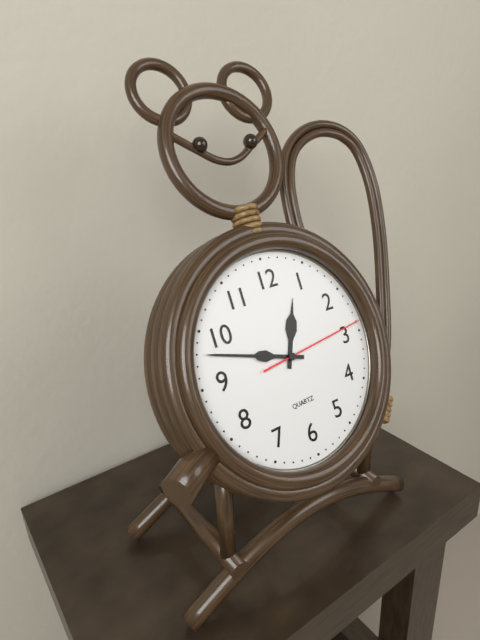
12:48:14
